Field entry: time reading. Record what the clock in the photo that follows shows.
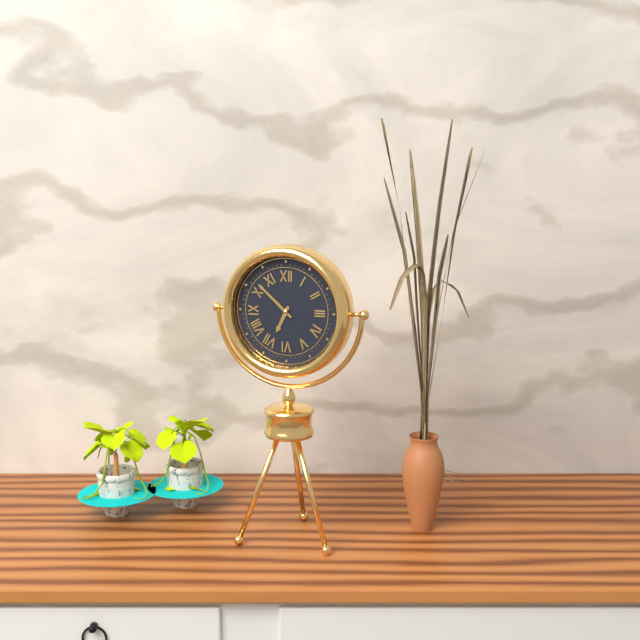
6:52
